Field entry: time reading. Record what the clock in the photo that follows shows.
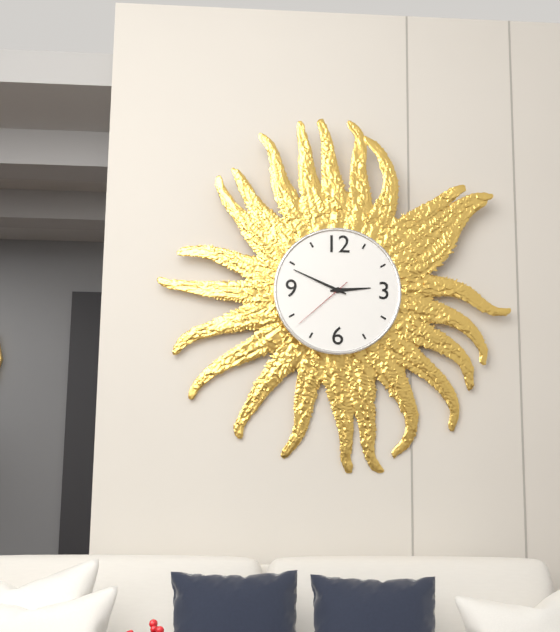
2:49:38
